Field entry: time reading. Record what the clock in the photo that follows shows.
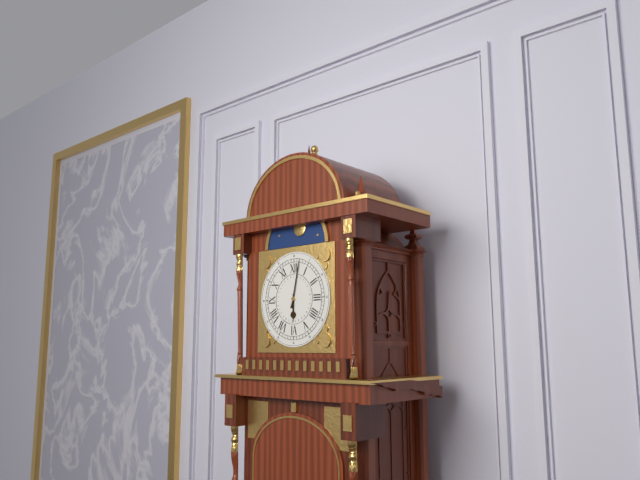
6:02
